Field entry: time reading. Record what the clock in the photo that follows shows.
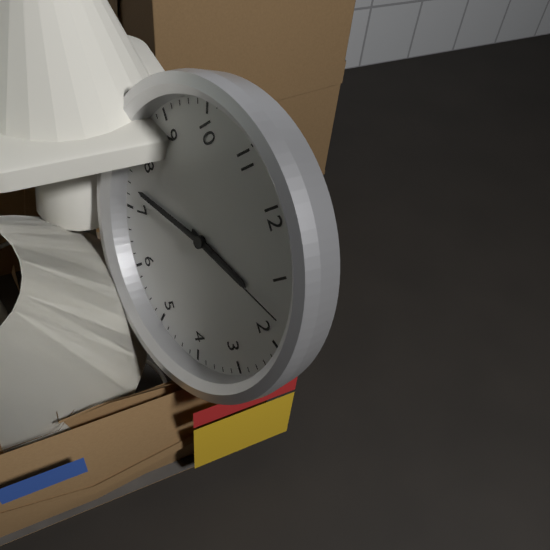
1:37:08
